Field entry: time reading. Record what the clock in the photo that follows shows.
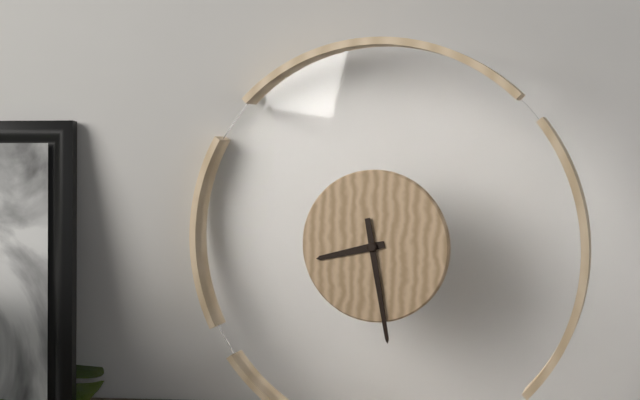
8:28
